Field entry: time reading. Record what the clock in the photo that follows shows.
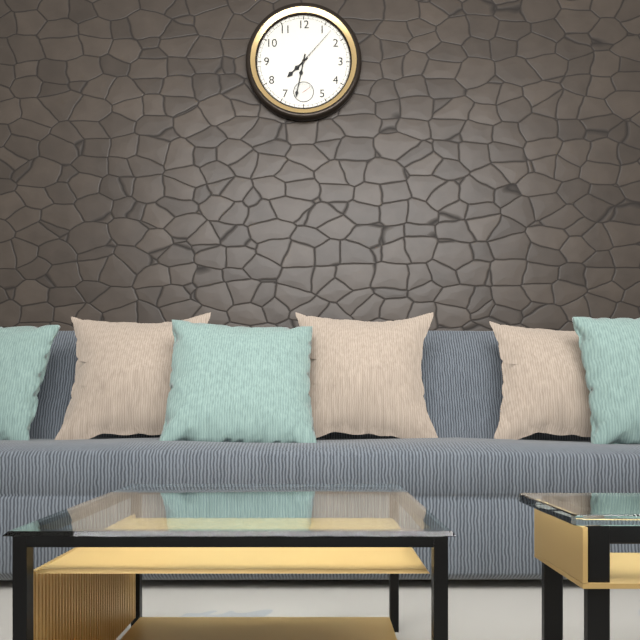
7:32:07
